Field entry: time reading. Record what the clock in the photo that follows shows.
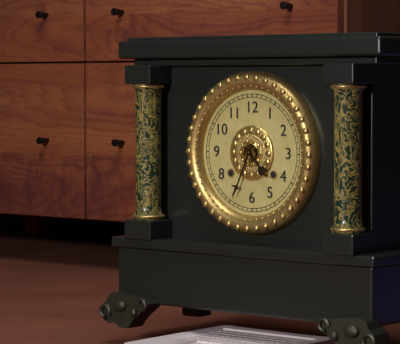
4:34
